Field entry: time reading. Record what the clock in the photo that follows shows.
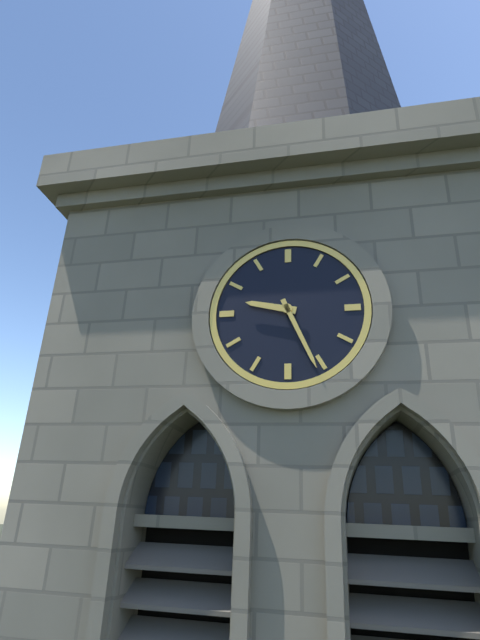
9:26
